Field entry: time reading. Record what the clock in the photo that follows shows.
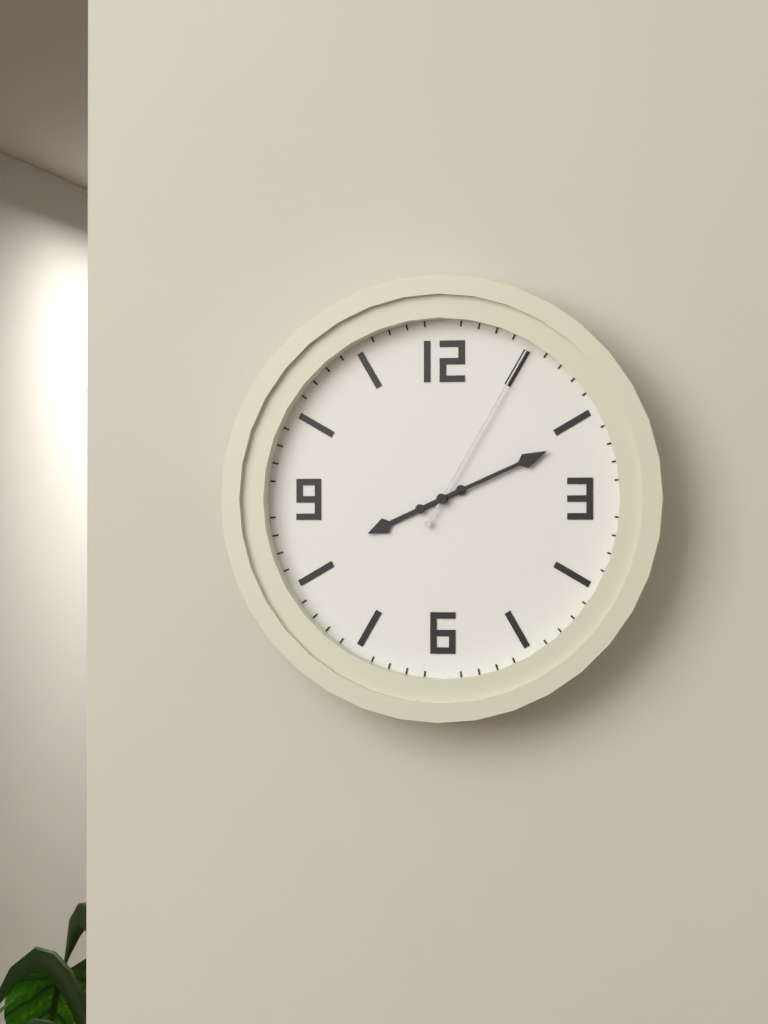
8:11:05
